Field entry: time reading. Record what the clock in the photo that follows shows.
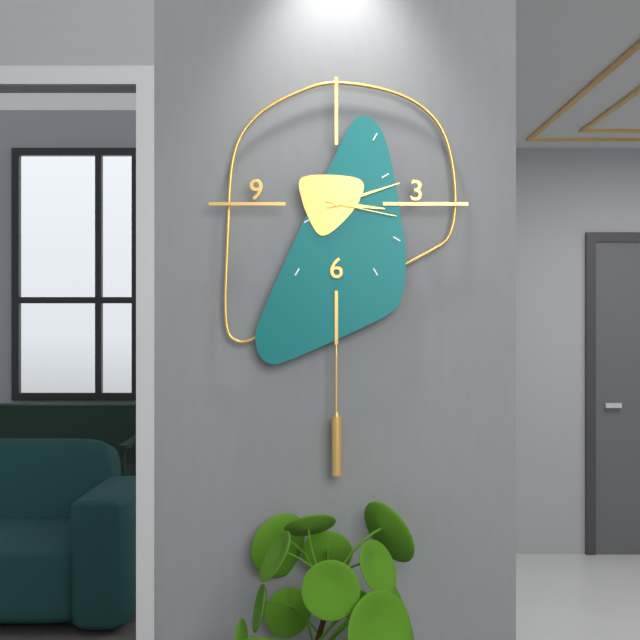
3:12:17
